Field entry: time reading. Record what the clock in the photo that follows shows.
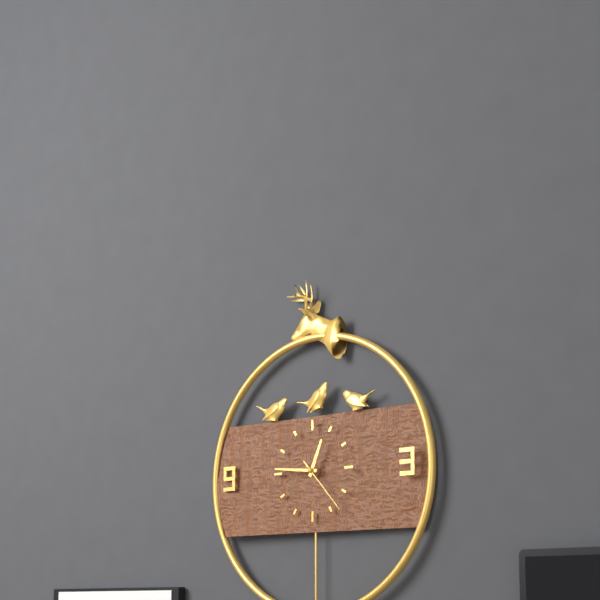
12:46:23
